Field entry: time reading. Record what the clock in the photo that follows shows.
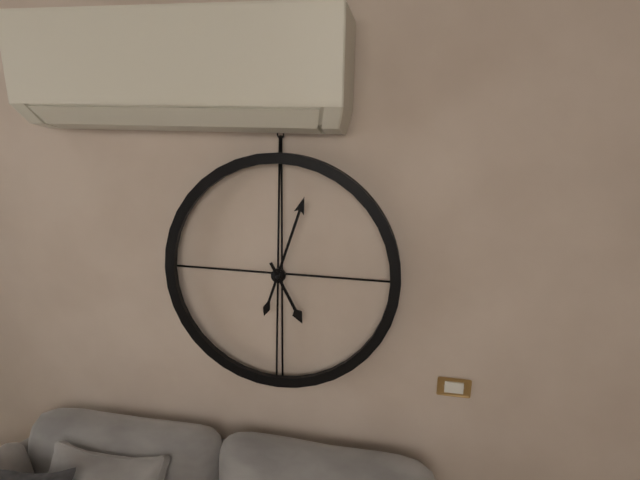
5:03
